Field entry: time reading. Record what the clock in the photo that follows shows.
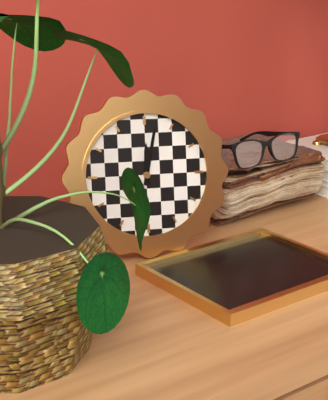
12:02
